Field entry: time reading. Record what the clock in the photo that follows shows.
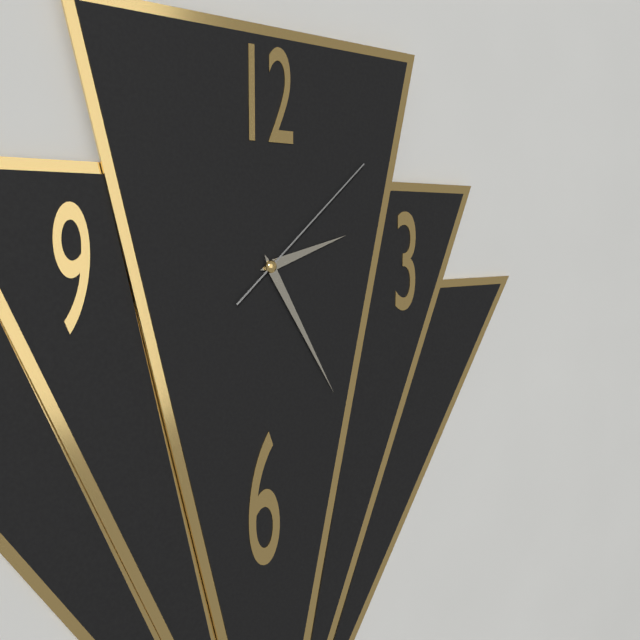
2:25:08
